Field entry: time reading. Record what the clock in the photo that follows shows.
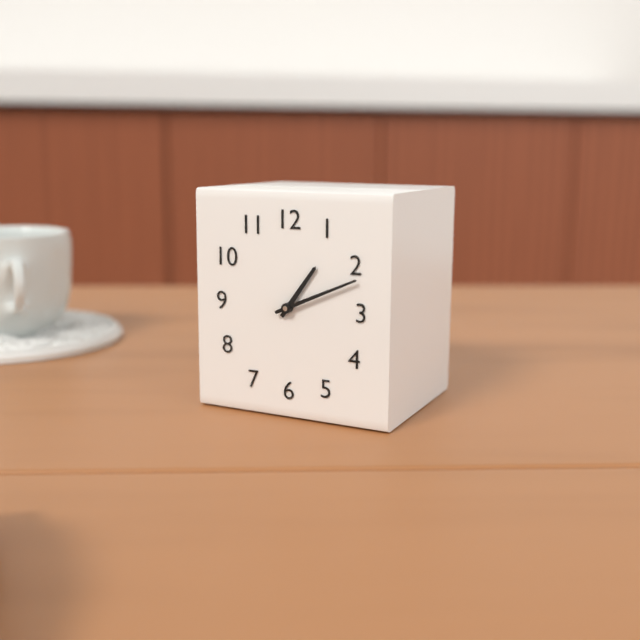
1:11
